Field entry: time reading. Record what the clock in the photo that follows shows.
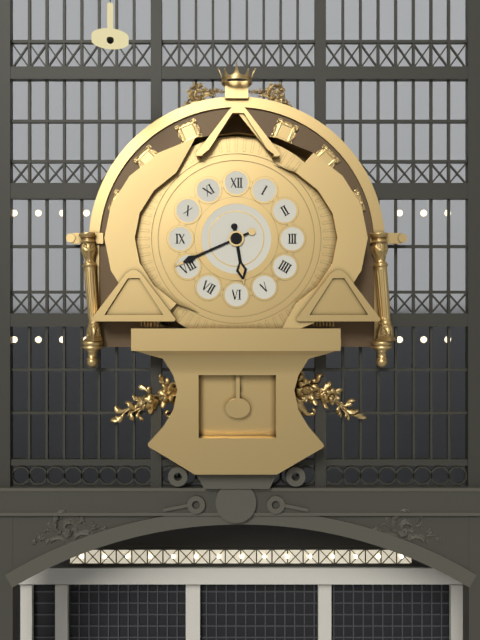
5:41
